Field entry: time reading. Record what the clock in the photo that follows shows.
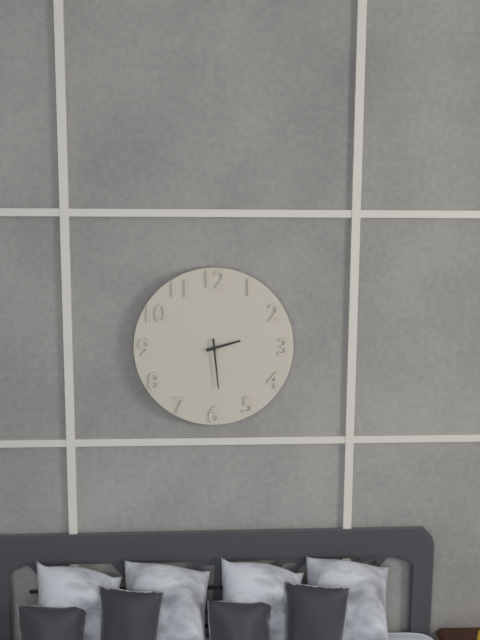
2:29
